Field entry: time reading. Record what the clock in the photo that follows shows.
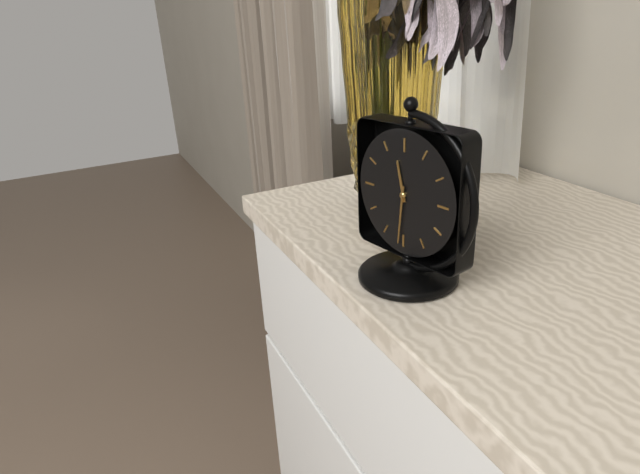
11:31
